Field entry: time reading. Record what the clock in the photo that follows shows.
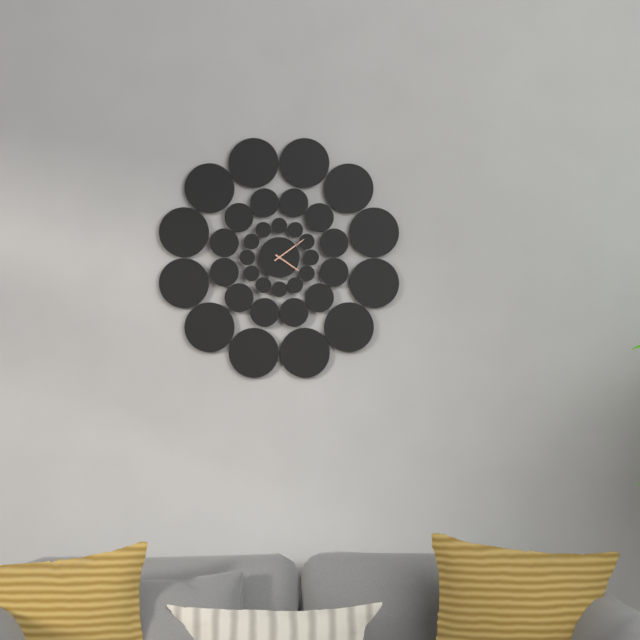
4:09
